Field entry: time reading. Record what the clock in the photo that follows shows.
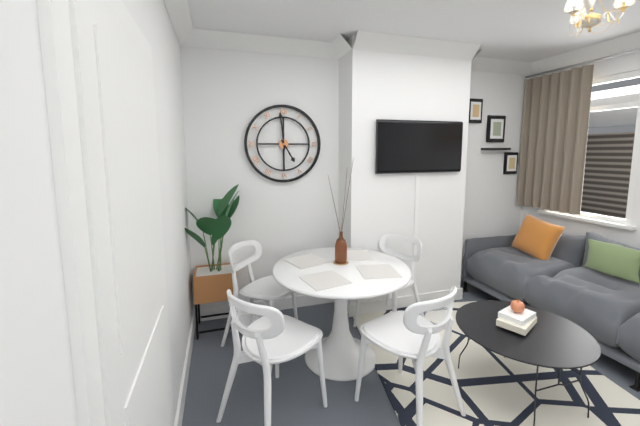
4:59
